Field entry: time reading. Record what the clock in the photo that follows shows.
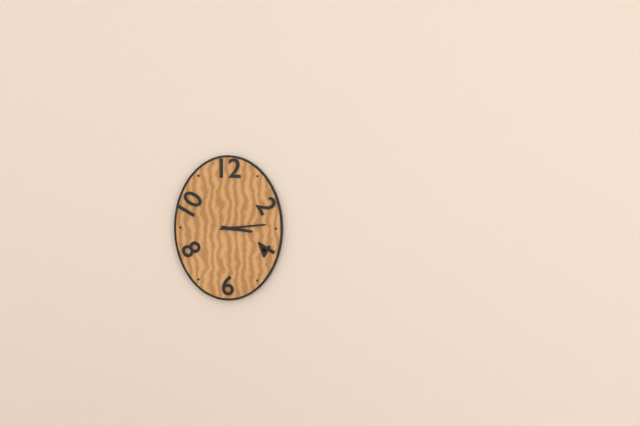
3:14
